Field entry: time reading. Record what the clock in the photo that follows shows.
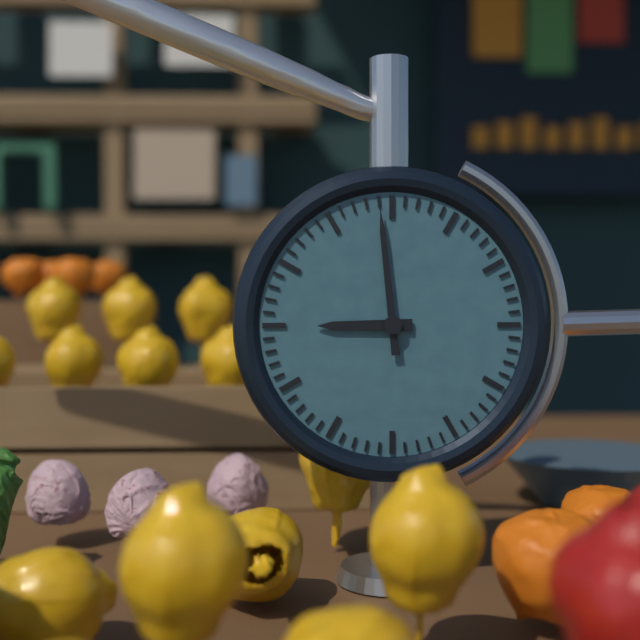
8:59
